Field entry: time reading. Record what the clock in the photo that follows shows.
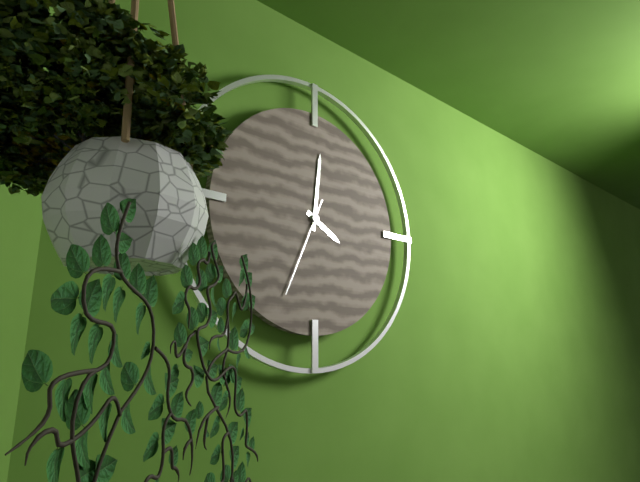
4:01:34
